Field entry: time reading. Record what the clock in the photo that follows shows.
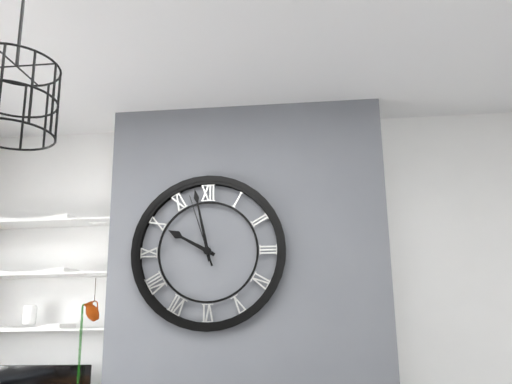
9:58:57
